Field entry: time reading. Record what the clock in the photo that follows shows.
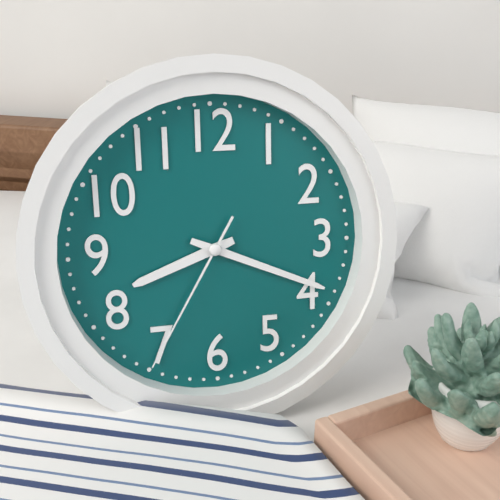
8:19:35
